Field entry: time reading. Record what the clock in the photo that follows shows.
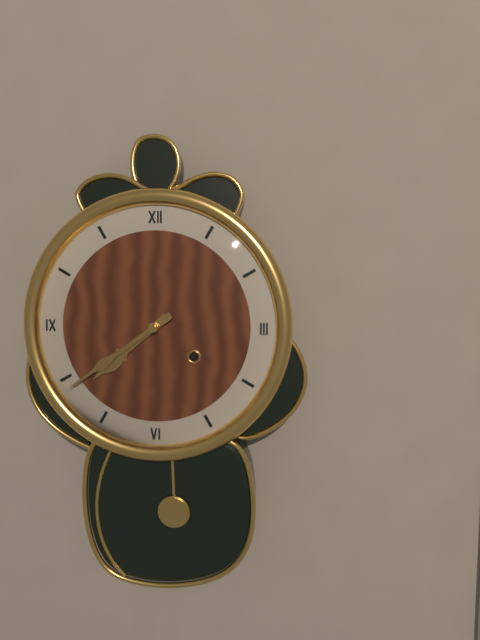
7:39
